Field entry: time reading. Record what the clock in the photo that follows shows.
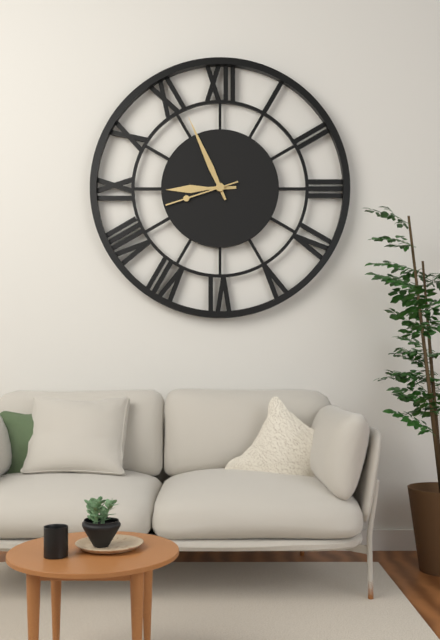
8:56:42
